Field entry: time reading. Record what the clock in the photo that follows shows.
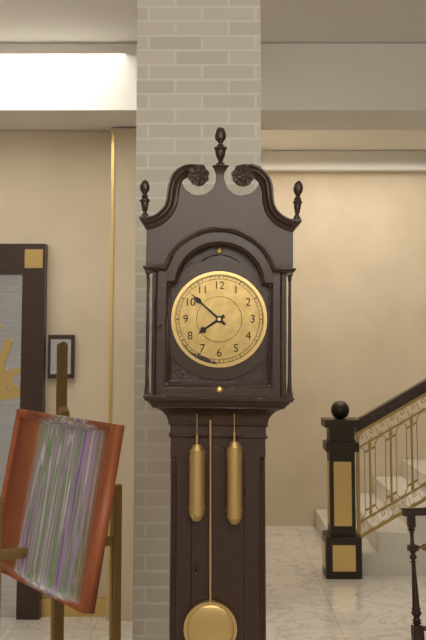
7:52
